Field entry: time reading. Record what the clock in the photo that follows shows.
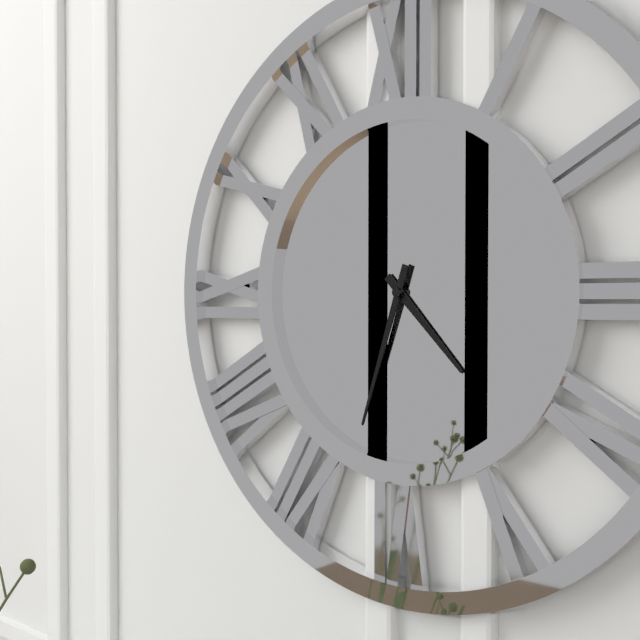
4:33
